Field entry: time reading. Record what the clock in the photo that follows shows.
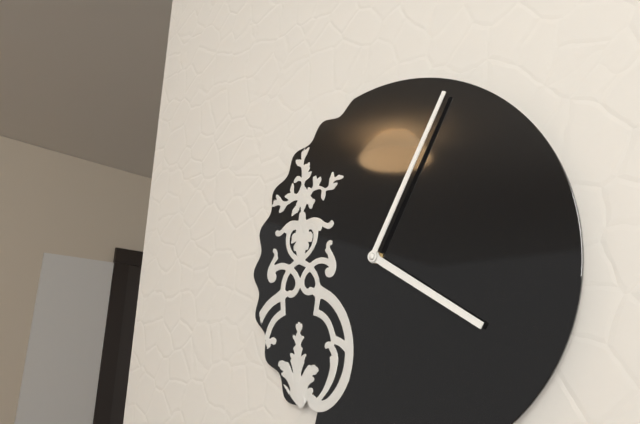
4:05
